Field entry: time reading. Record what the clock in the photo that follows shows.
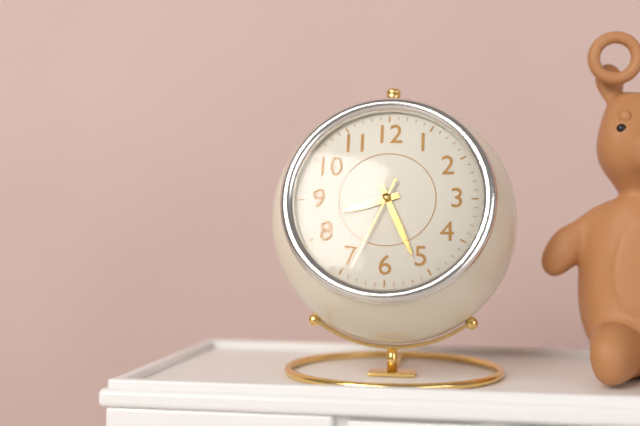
8:26:34
